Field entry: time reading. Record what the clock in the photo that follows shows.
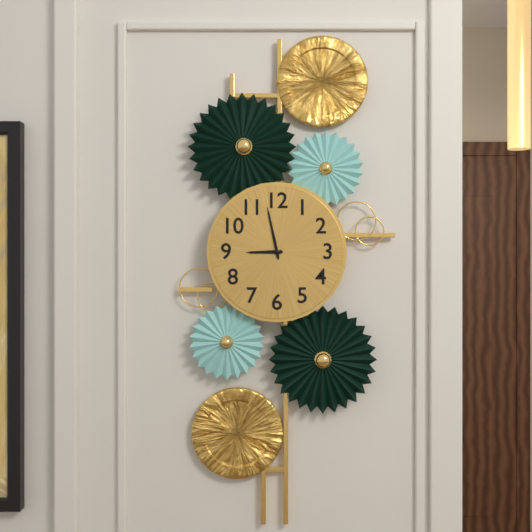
8:58
